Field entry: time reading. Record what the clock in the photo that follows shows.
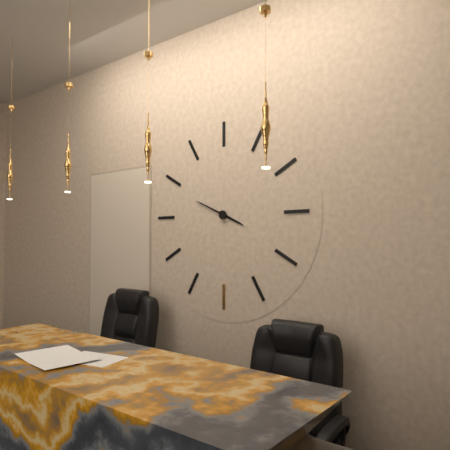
3:49
